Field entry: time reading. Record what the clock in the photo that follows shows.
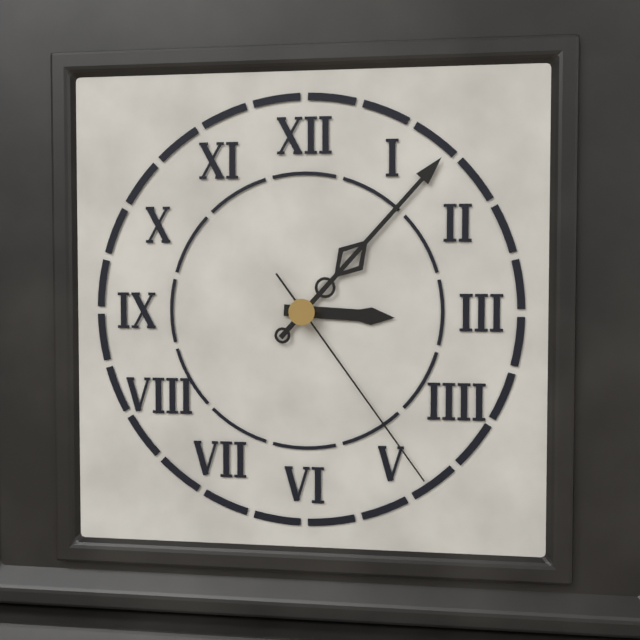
3:07:24
